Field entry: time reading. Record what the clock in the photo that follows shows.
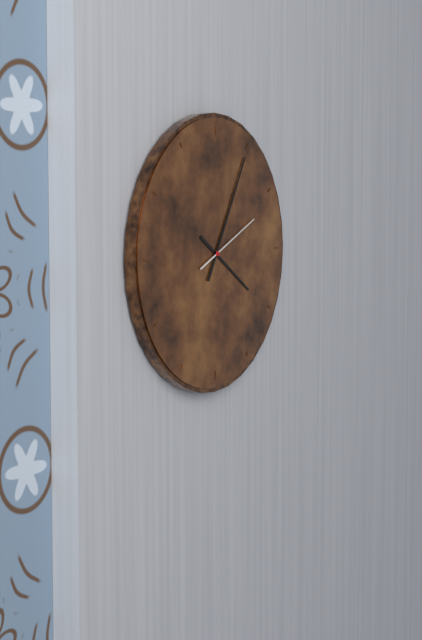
4:05:11
